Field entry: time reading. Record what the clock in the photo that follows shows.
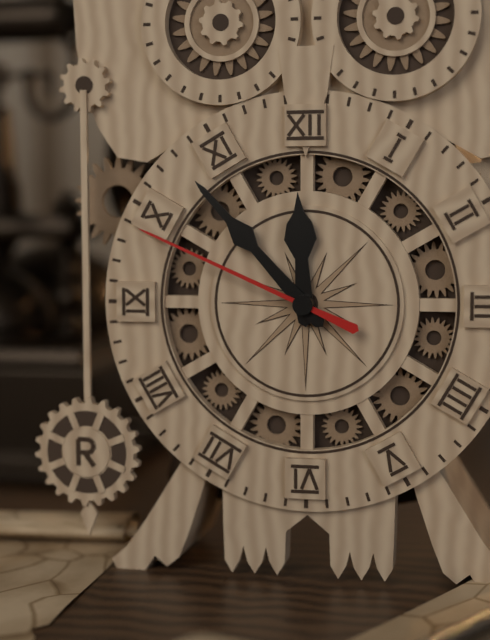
11:53:49
